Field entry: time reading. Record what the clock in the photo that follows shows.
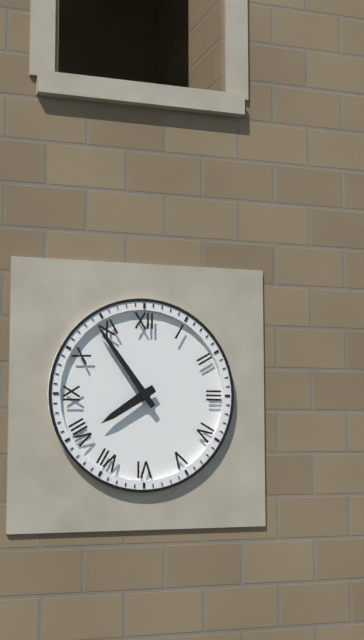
7:54
